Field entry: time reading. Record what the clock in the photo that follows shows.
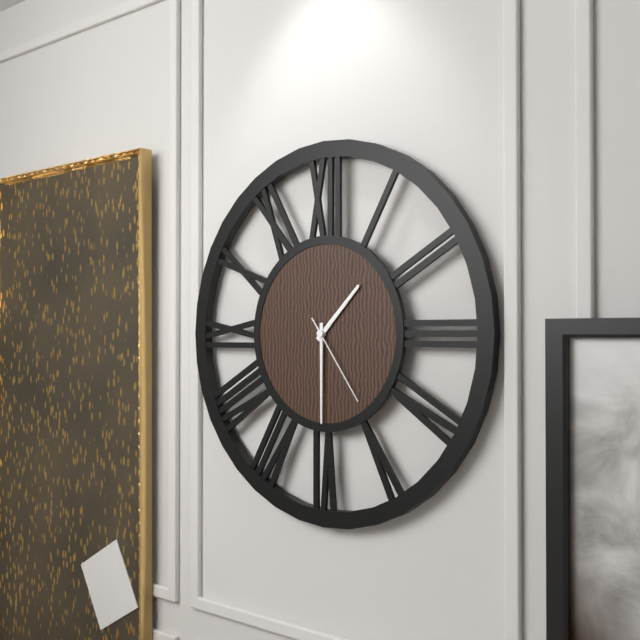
1:30:24
